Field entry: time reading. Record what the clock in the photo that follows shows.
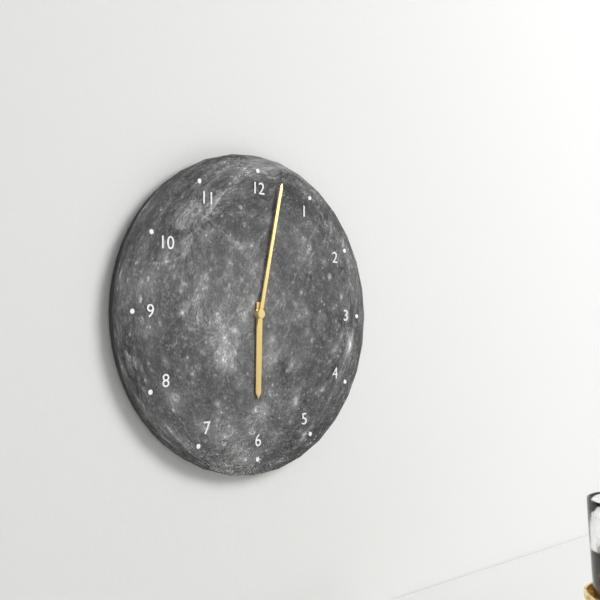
6:02
